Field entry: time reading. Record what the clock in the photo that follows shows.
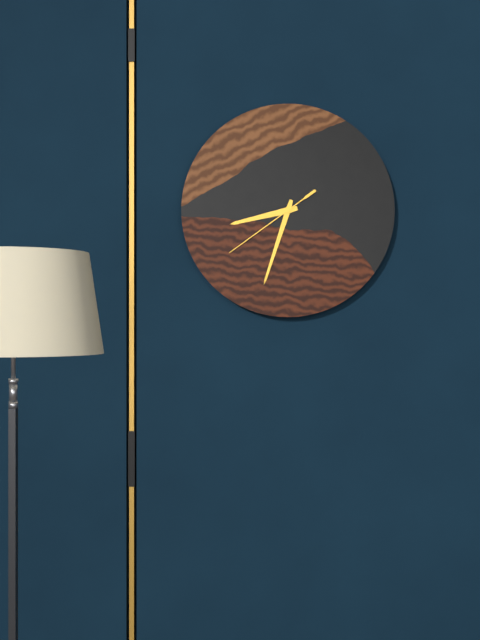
8:33:39
